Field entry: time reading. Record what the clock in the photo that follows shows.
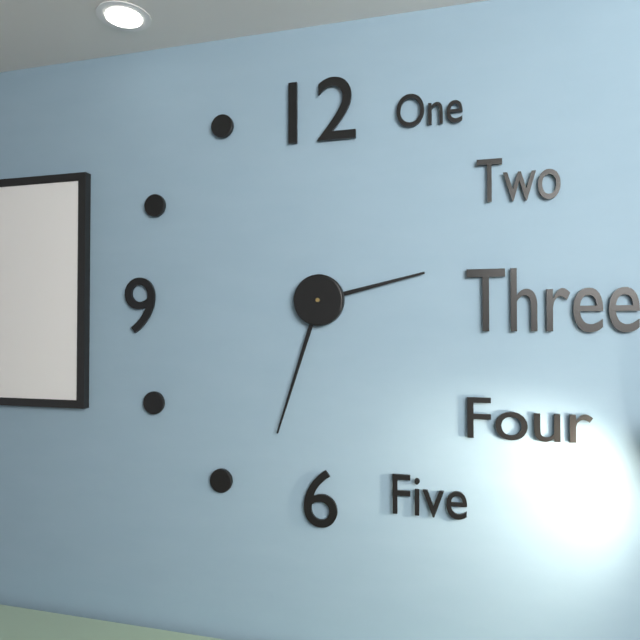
2:33
